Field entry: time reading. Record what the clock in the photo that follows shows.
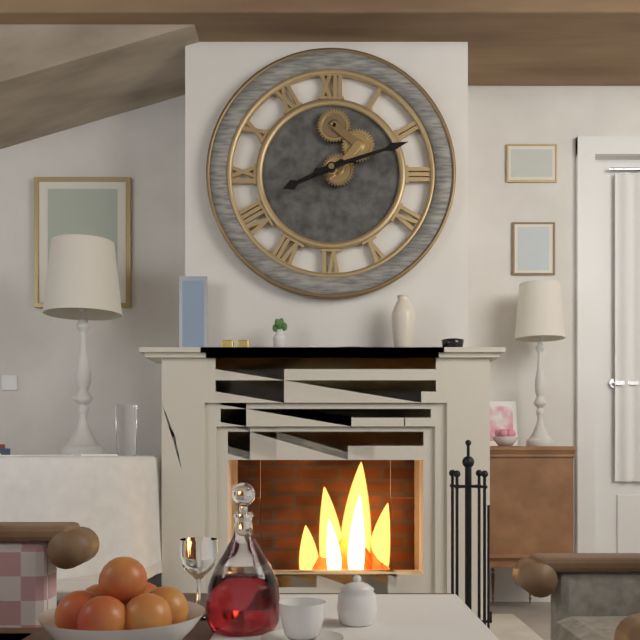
8:12
